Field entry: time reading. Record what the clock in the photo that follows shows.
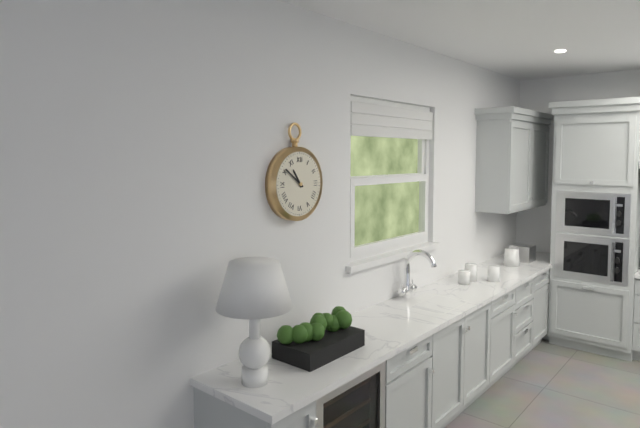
10:51
